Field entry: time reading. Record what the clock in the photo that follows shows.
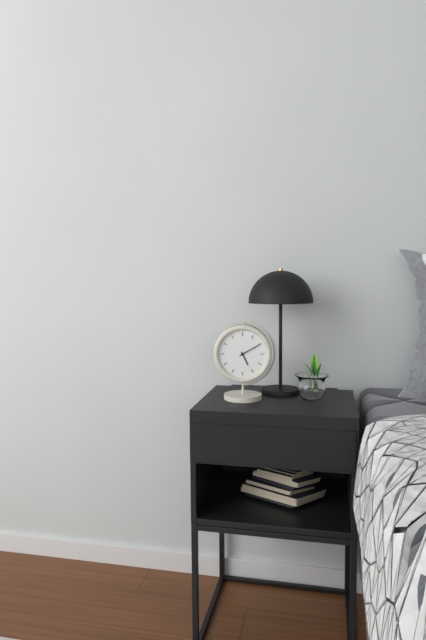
5:10
